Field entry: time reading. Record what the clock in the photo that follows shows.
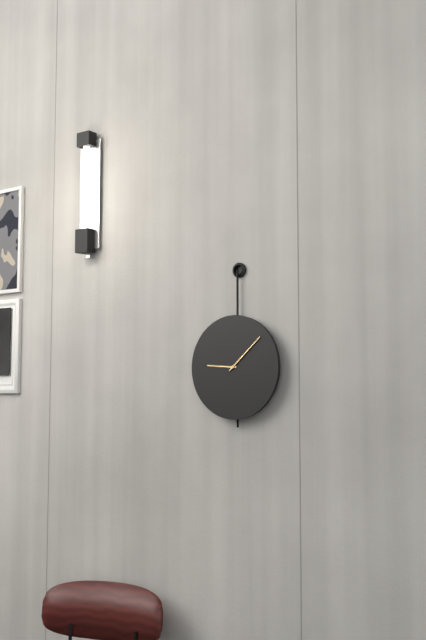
9:08
